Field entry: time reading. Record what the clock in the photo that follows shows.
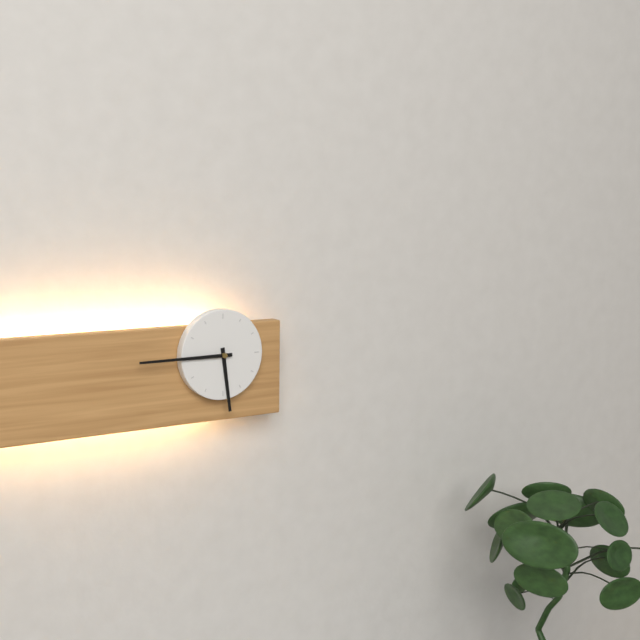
5:45
